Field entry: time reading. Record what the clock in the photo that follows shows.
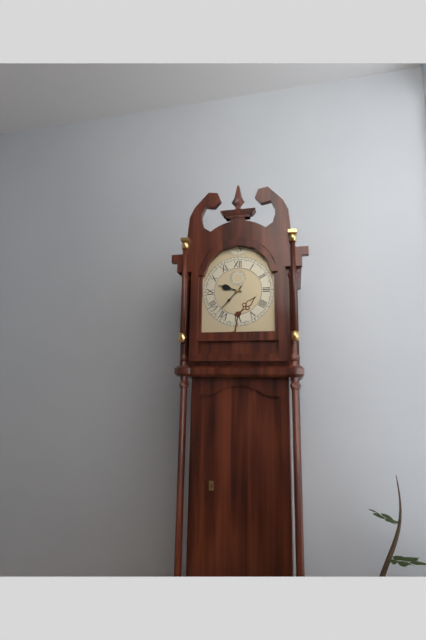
9:37
